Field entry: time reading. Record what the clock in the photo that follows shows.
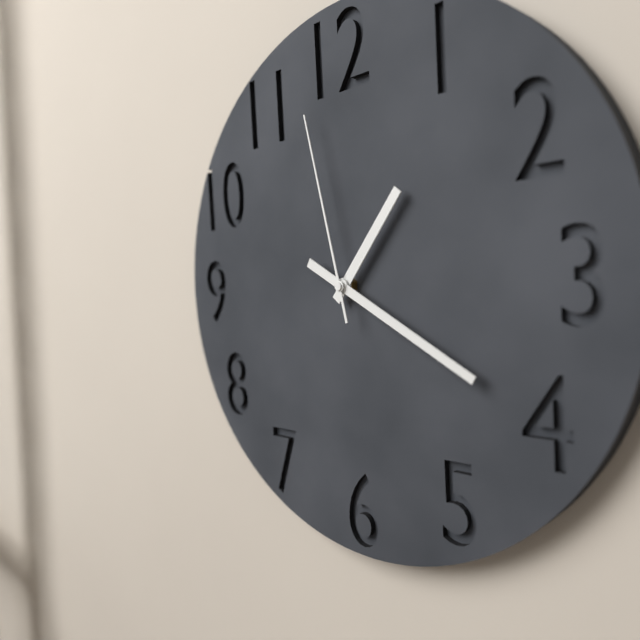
1:20:58
